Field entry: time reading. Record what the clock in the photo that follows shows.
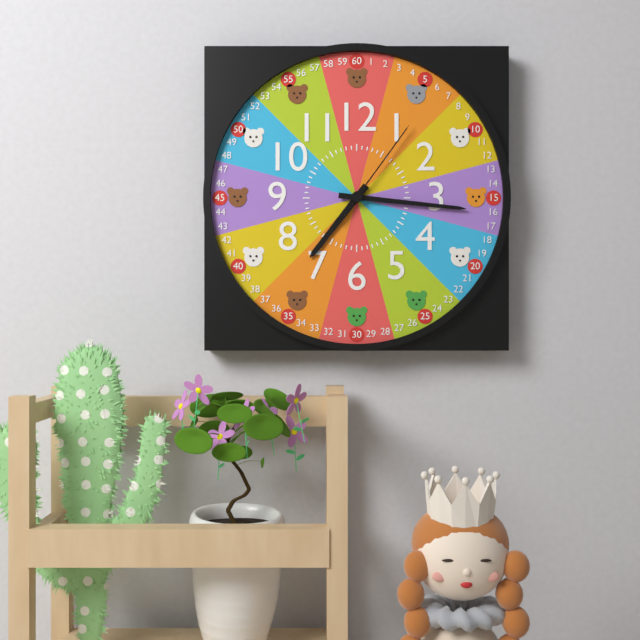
7:16:06
